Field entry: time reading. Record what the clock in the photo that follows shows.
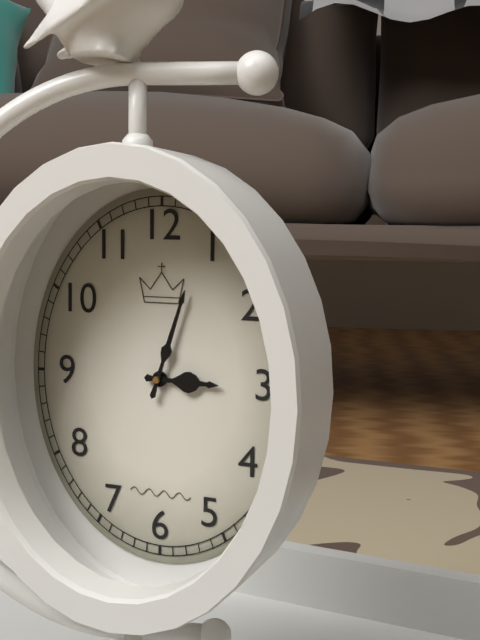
3:03
